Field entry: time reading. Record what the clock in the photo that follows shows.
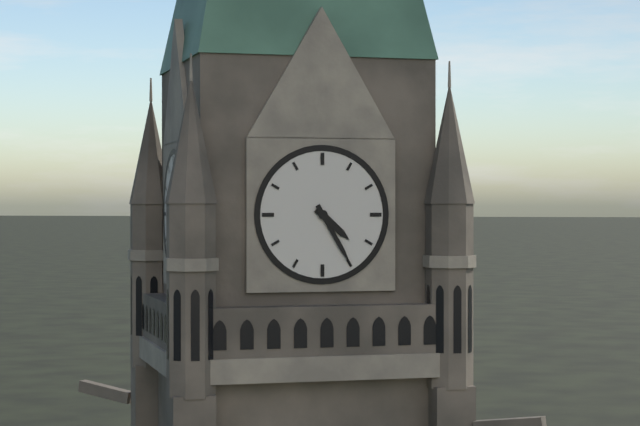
4:25
